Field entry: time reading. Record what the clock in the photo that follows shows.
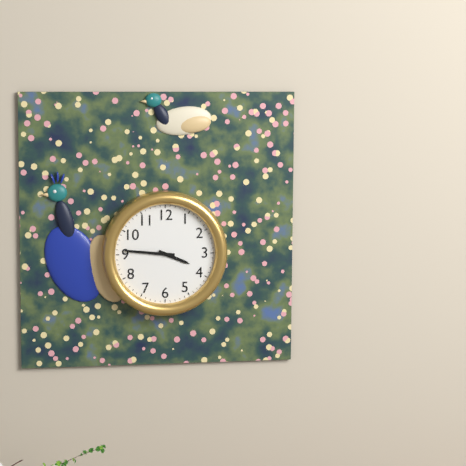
3:46
